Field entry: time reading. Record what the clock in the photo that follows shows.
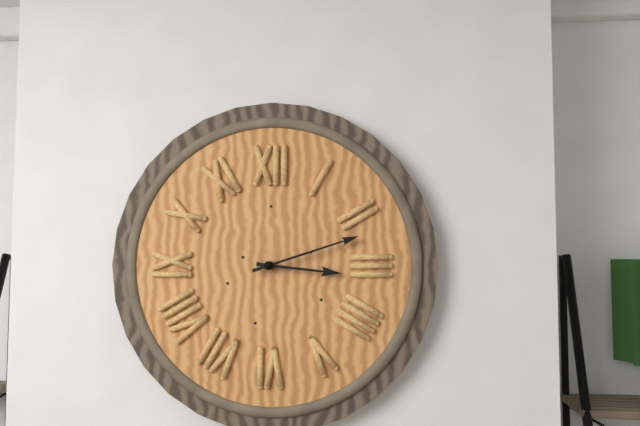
3:12
